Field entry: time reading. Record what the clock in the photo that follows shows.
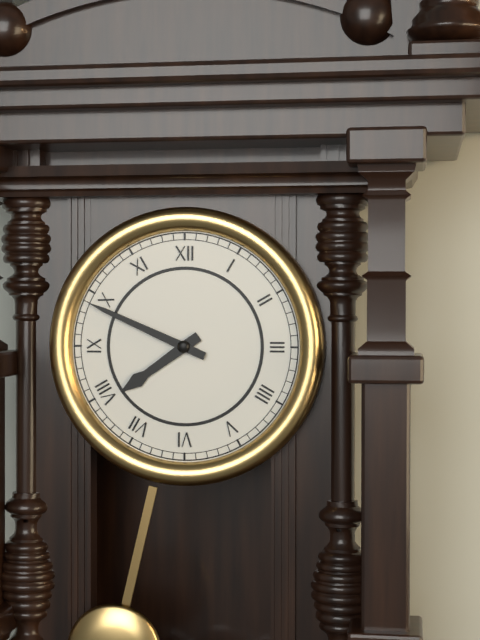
7:49
